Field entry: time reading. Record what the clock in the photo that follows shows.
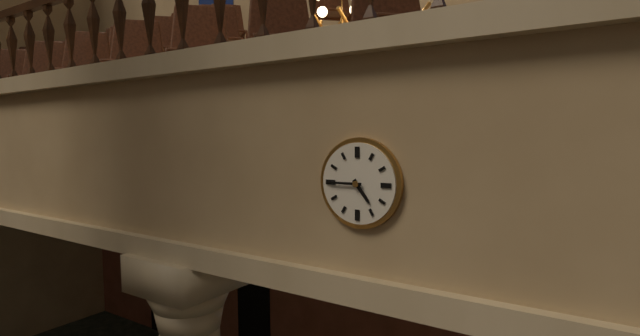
4:45
